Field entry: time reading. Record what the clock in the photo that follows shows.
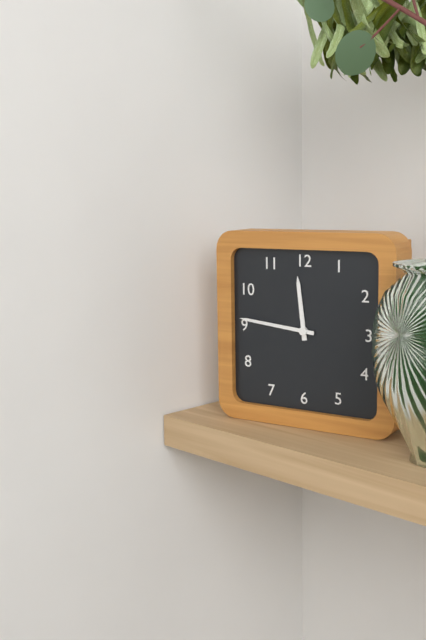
11:46
